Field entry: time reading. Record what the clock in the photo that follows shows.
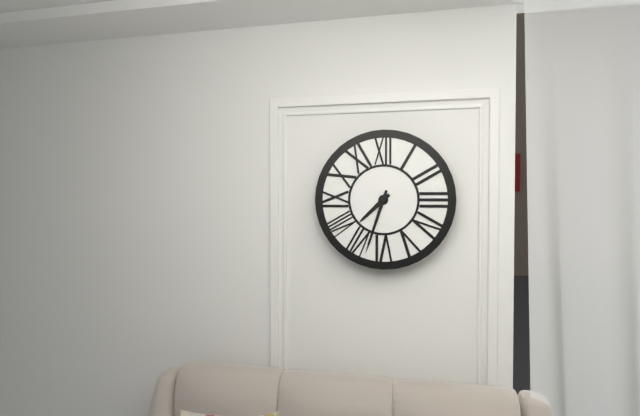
7:33
